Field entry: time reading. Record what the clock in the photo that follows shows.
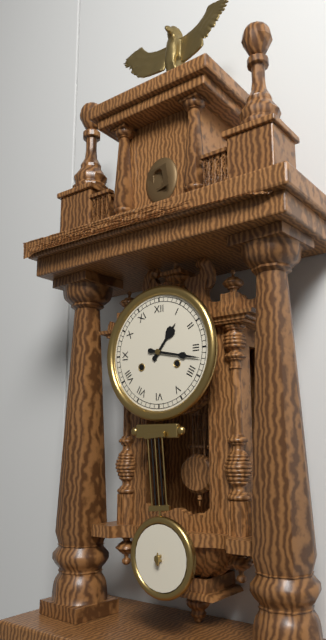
1:17
